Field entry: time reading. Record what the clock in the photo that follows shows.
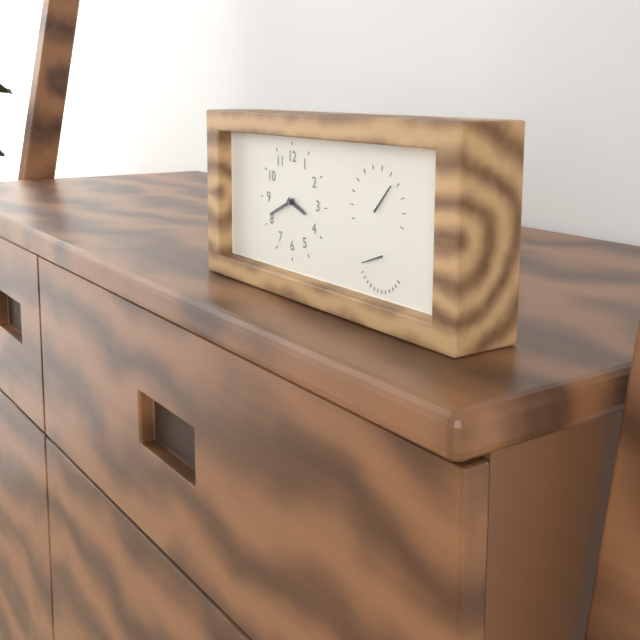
3:41
